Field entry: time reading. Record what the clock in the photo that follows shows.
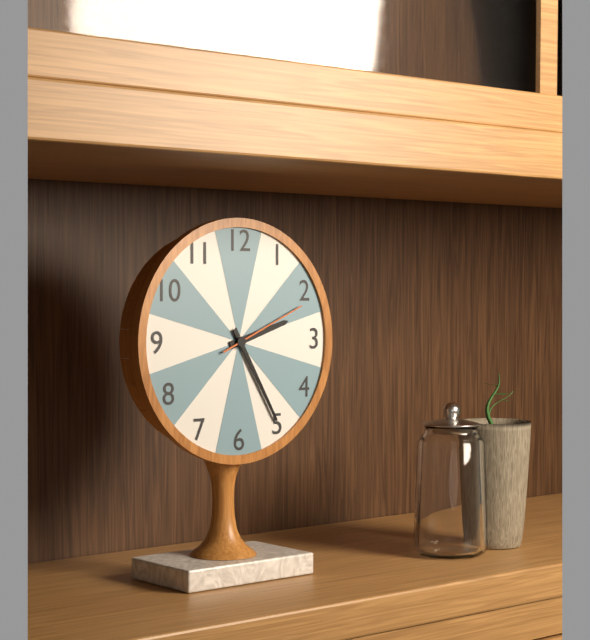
2:25:11
